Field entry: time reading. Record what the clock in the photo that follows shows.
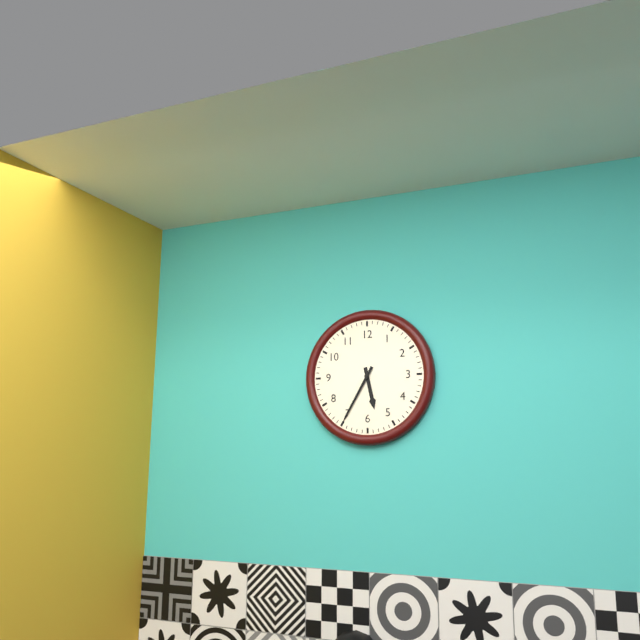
5:35
